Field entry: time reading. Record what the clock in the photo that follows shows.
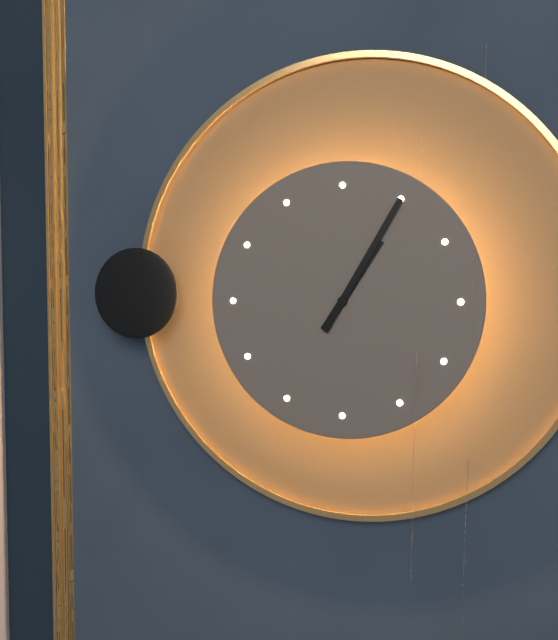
1:05
